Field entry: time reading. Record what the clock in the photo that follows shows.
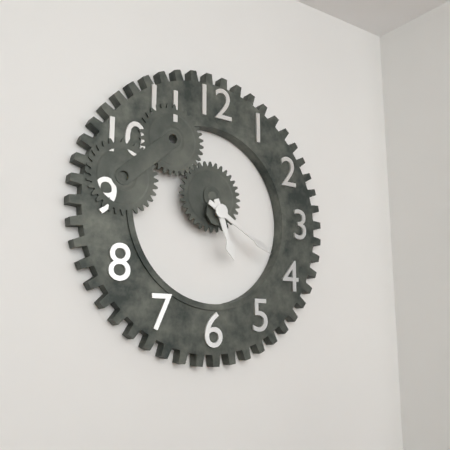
5:20
